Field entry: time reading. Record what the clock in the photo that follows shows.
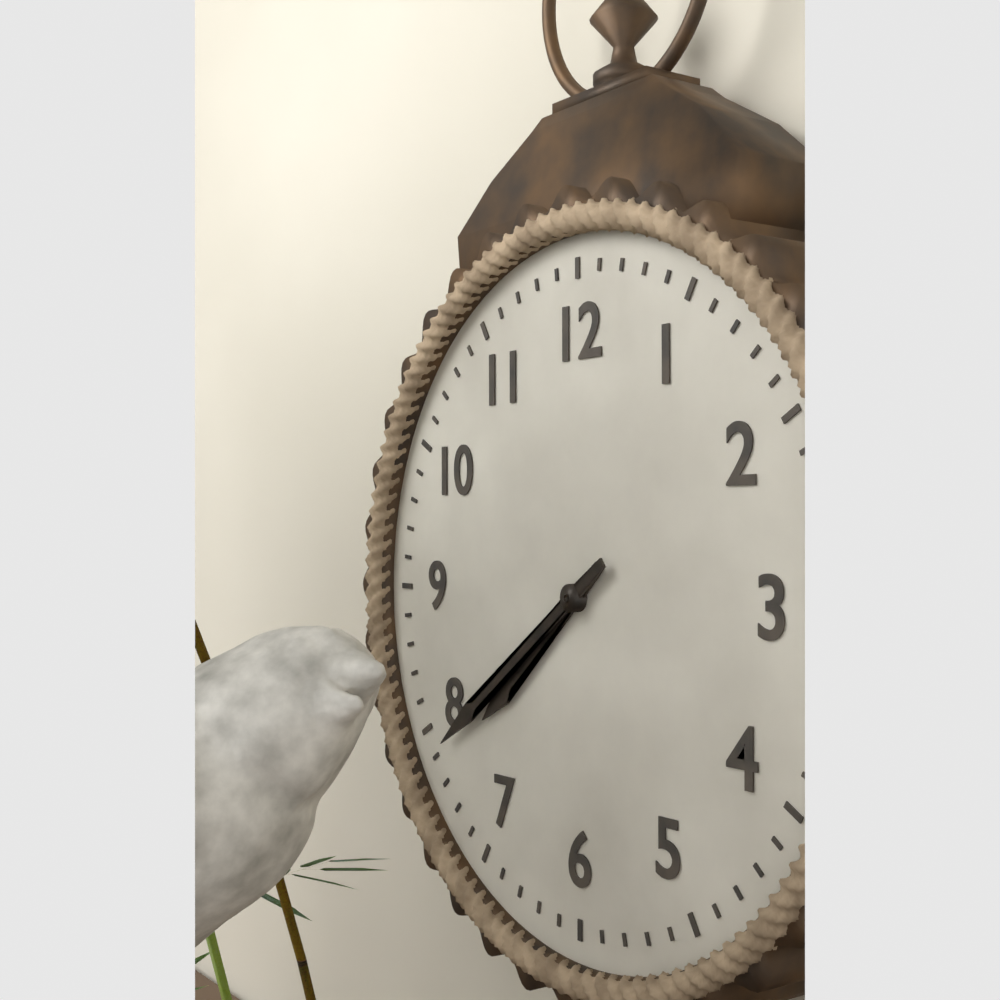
7:39
